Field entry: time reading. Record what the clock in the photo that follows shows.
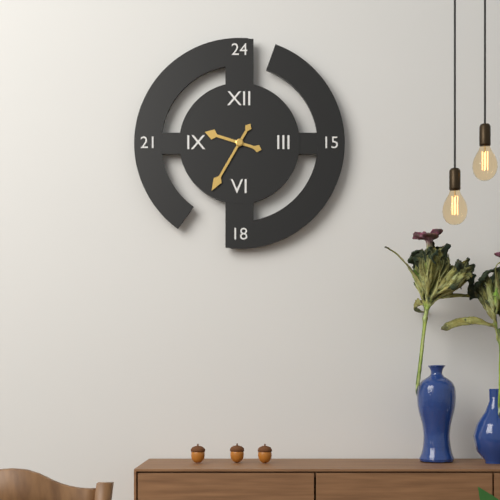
9:35
